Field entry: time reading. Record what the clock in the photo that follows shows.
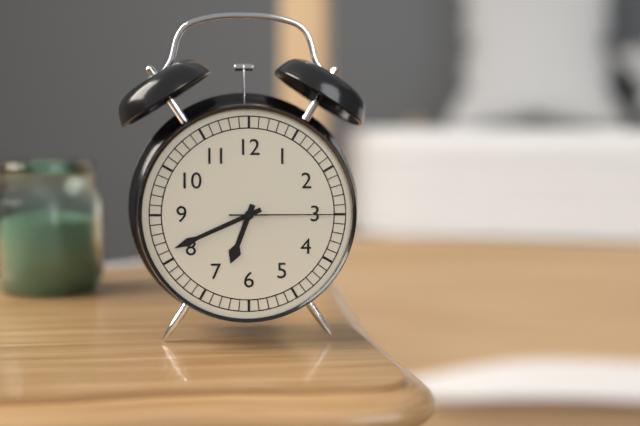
6:41:15
